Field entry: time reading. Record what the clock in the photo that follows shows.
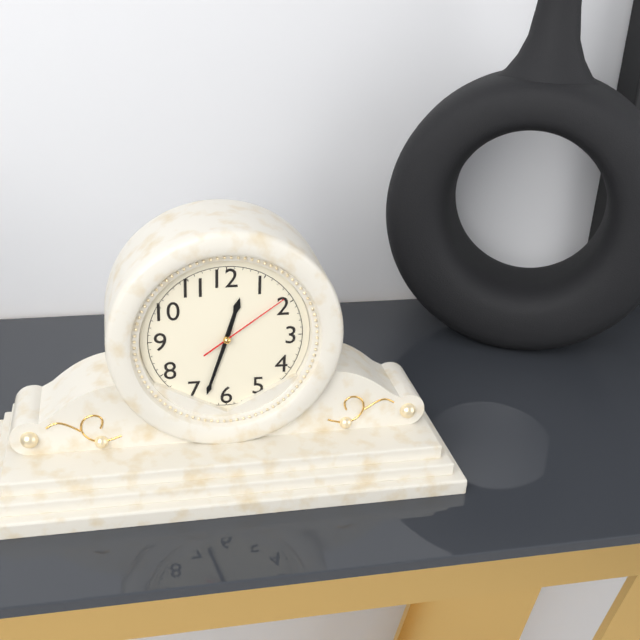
12:33:09
